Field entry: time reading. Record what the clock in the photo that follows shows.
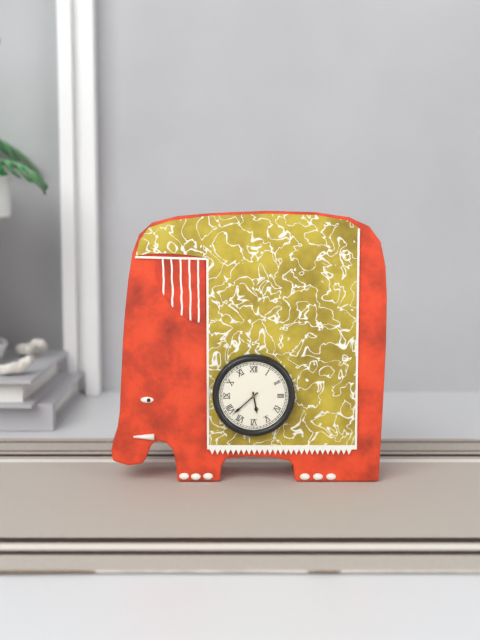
5:38
